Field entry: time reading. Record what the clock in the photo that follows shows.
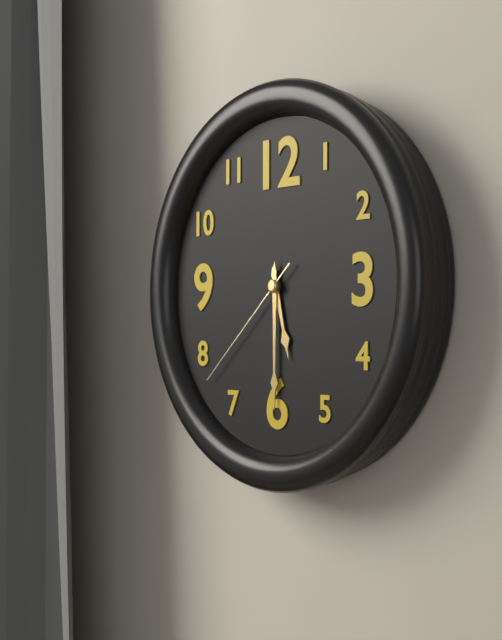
5:30:38
